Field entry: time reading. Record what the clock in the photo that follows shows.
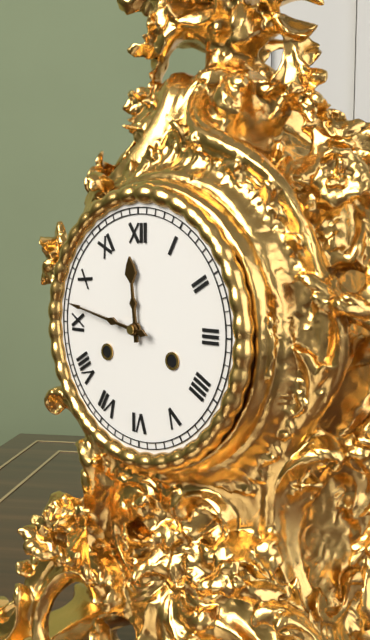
11:47
